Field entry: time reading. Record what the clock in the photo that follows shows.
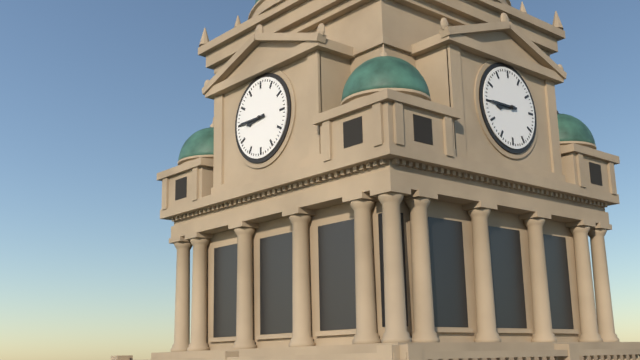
8:45
